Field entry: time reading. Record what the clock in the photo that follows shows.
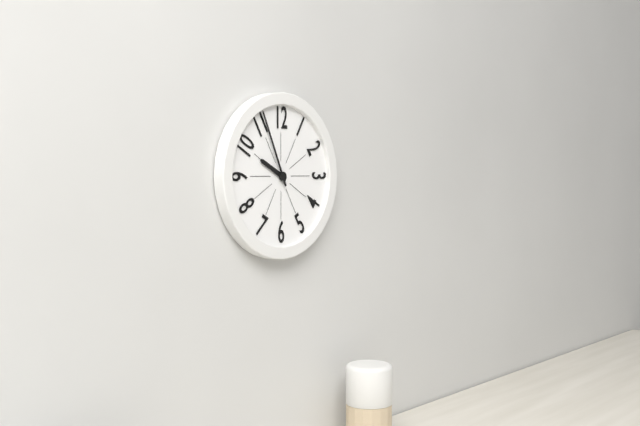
9:56
